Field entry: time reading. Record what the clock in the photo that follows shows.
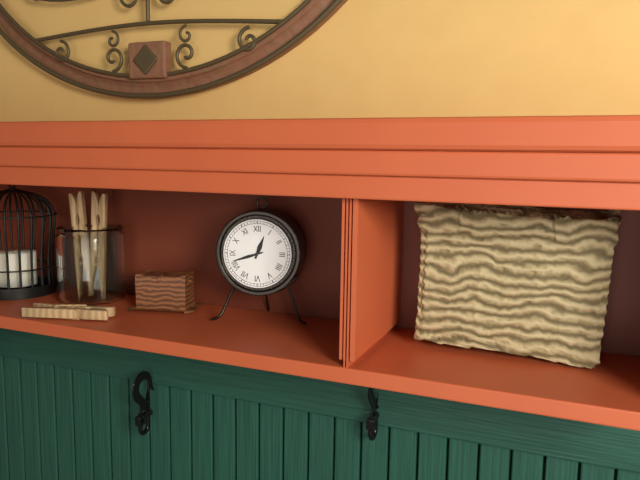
12:42
